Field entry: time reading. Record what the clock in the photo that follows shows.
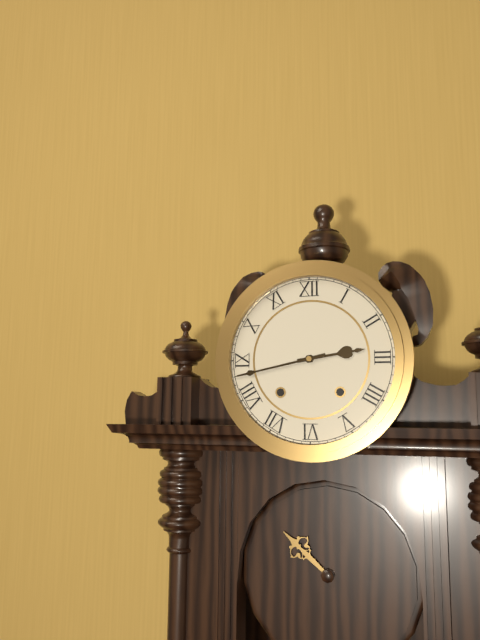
2:43
